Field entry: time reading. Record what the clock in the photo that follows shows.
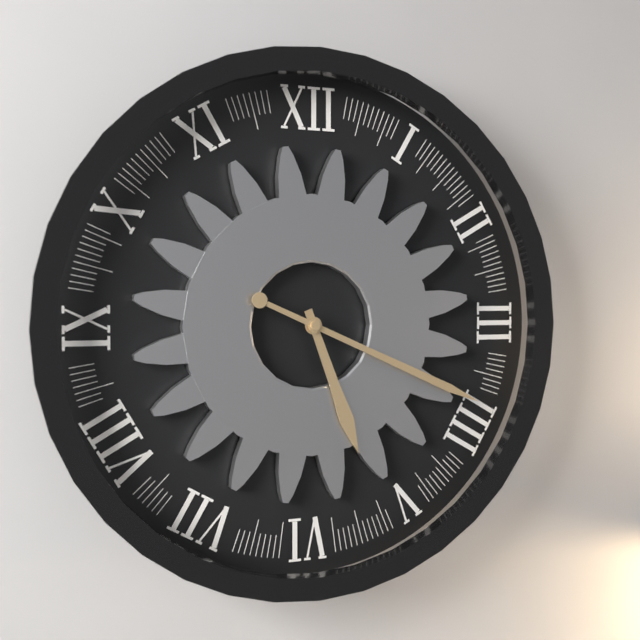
5:19
